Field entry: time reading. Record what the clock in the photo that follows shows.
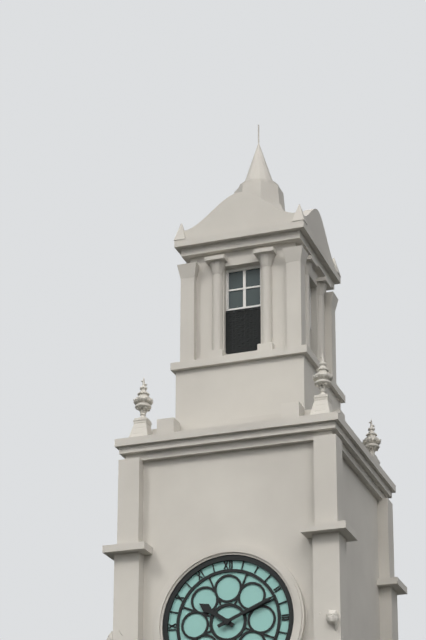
10:11
